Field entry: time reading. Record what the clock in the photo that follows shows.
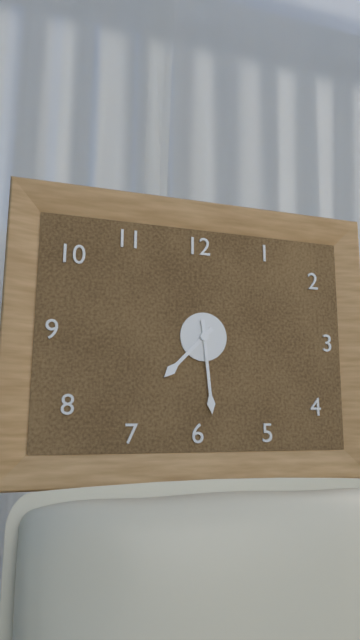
7:29
